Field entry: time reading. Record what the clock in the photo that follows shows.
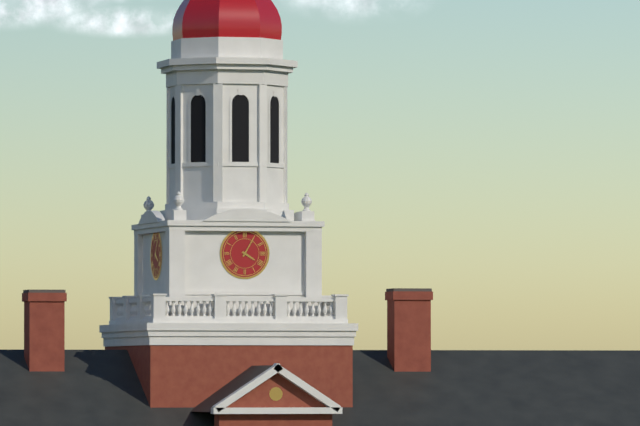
4:05
